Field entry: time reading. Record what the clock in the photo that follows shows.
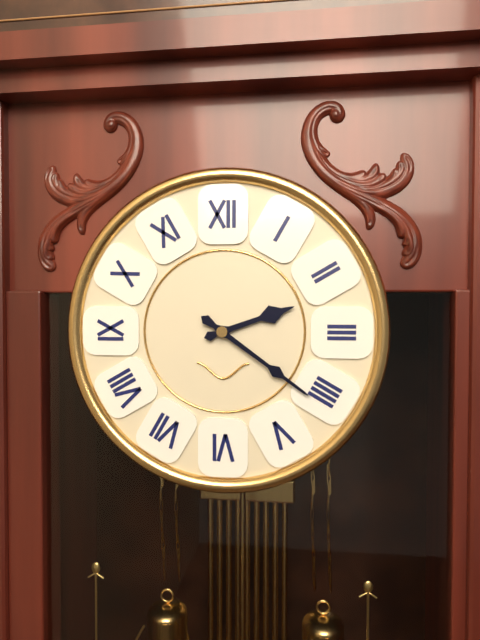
2:21
